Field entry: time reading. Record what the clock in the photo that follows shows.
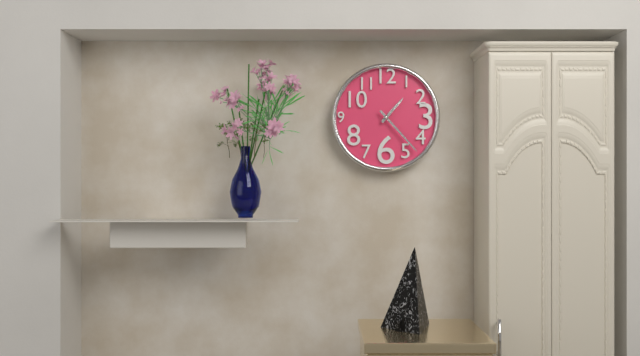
1:23
